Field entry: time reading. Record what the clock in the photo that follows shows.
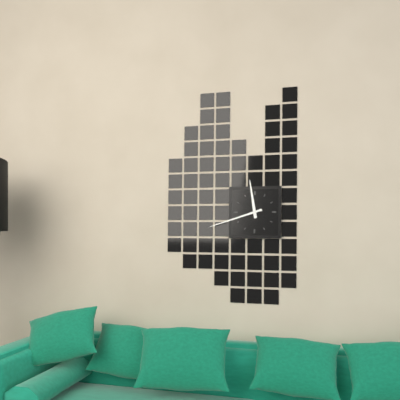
11:42
